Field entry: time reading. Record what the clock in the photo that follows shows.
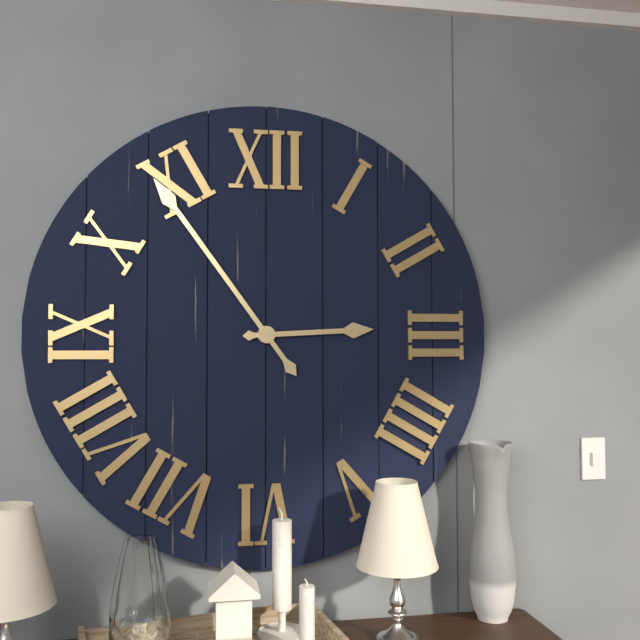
2:54
